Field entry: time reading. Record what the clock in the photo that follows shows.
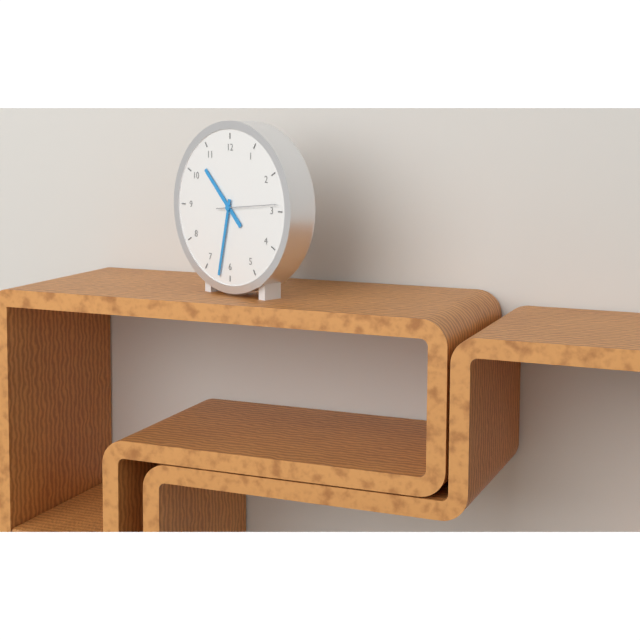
10:32:14
